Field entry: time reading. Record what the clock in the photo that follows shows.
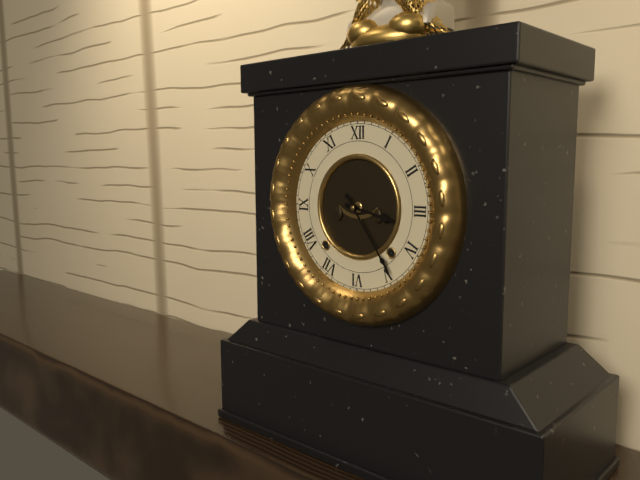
3:24
